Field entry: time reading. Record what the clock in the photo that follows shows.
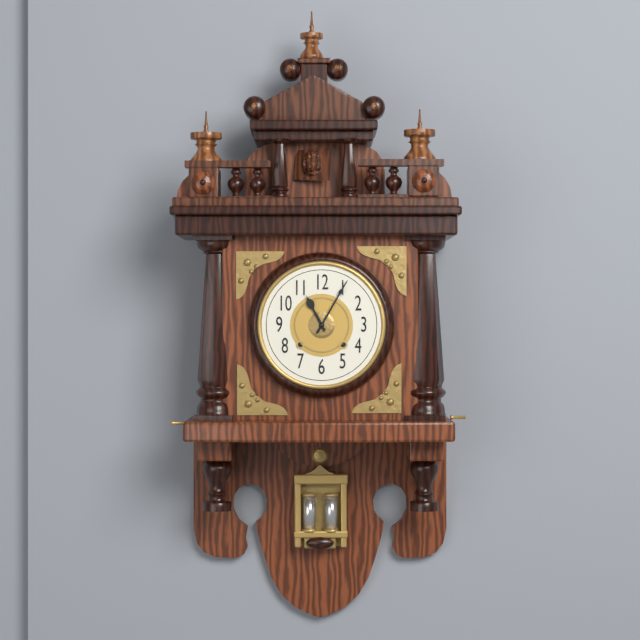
11:05
